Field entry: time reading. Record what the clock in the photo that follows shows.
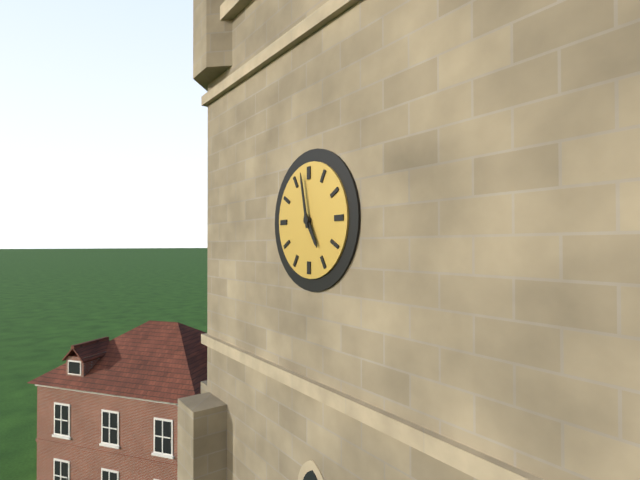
4:58
